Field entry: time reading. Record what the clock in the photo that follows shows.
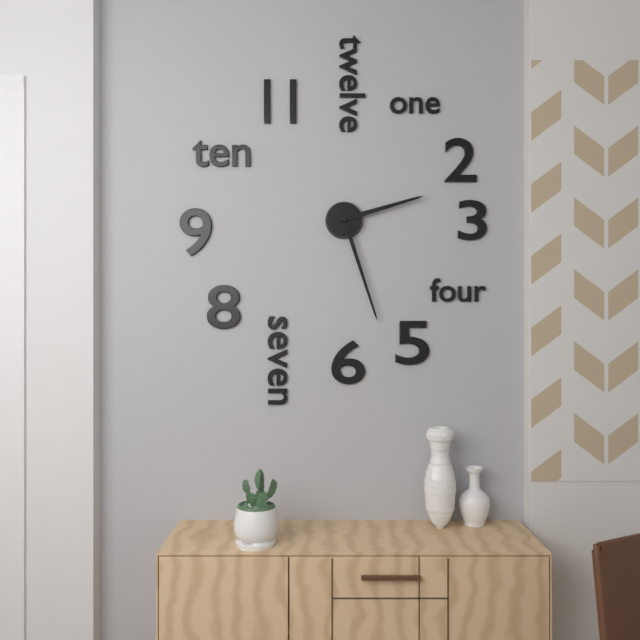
2:27
